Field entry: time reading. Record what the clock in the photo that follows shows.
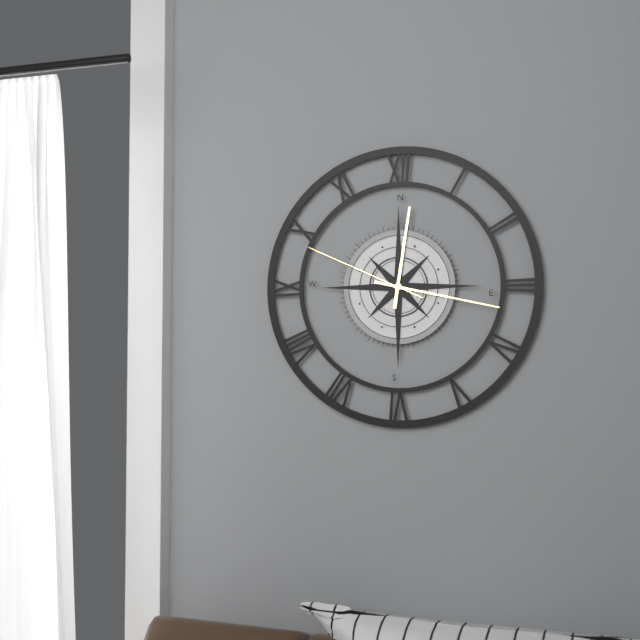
12:17:49
